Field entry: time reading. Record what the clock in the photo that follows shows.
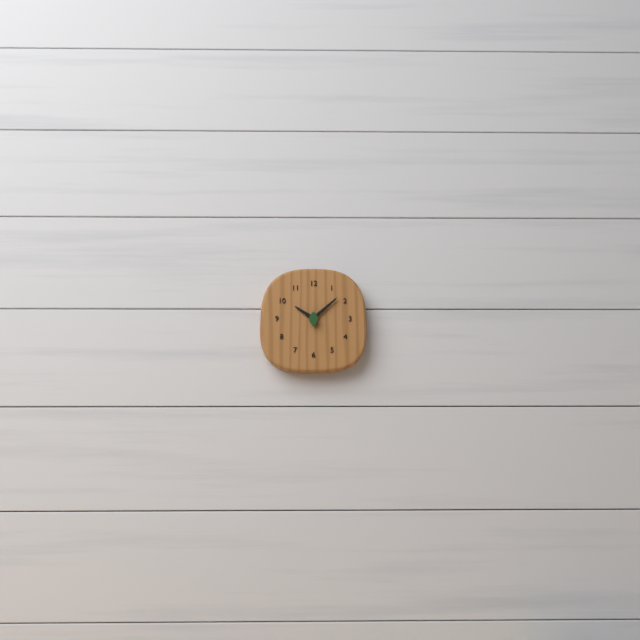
10:08
